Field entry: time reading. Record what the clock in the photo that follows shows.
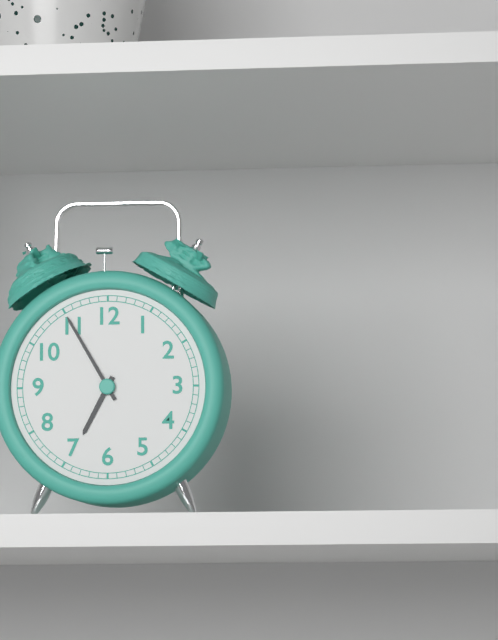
6:55
